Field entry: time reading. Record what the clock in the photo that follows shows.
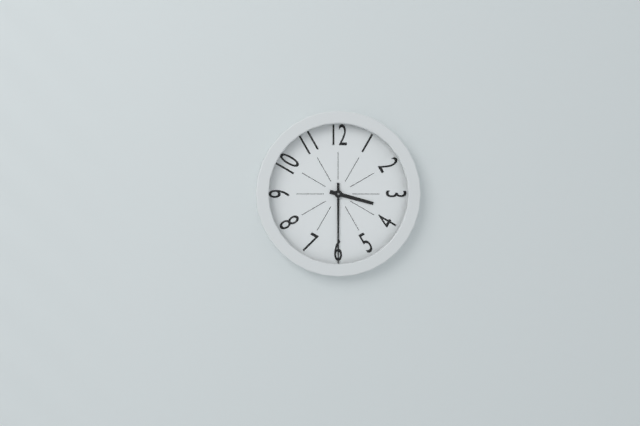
3:30
